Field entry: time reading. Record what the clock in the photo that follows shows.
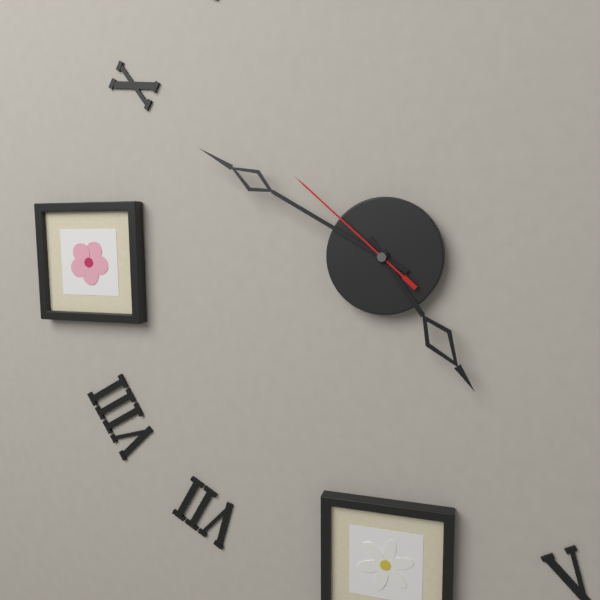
4:50:52
